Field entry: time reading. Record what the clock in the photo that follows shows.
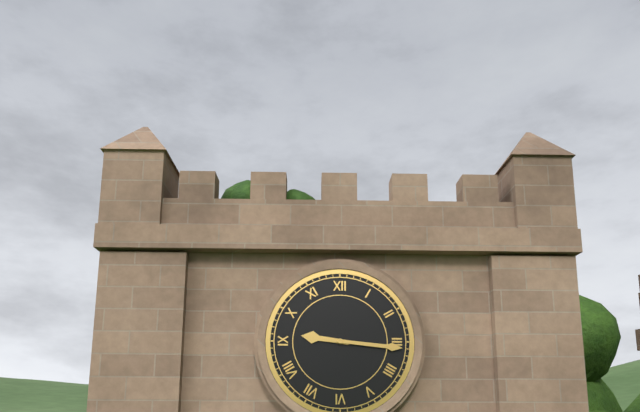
9:16
